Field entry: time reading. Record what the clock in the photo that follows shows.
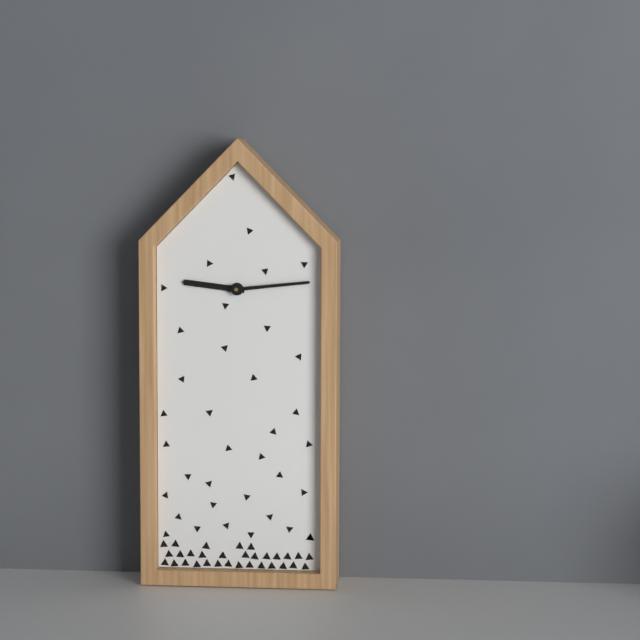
9:14
